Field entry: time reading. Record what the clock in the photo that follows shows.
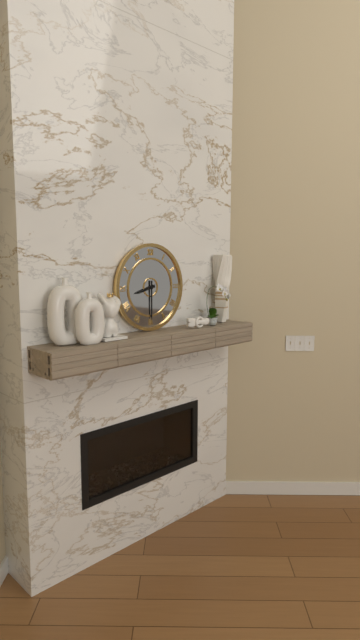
8:30
